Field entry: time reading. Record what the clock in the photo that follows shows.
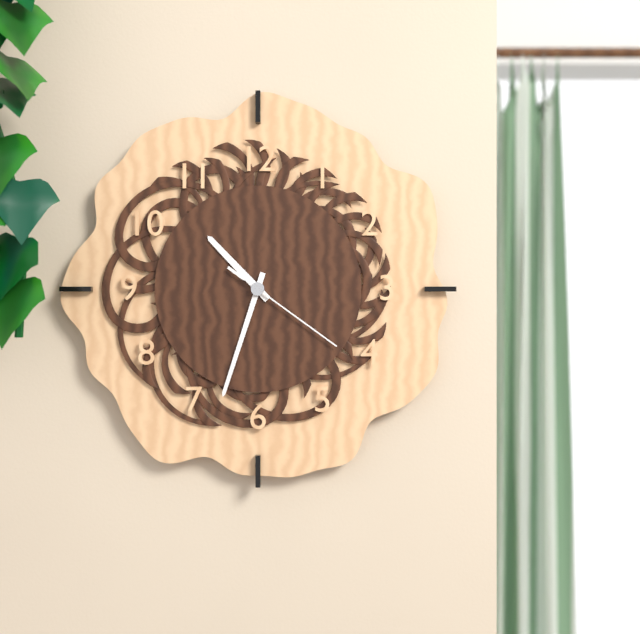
10:33:21
